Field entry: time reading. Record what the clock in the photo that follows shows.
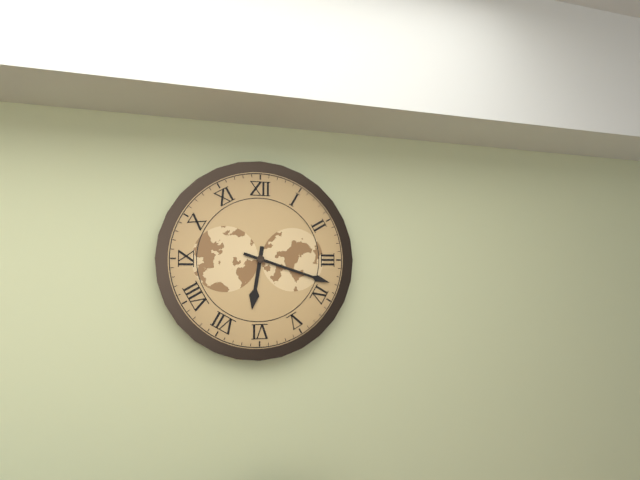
6:18
